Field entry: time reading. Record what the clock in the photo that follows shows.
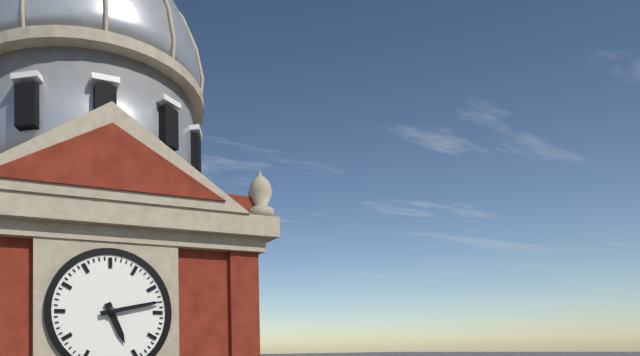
5:13
